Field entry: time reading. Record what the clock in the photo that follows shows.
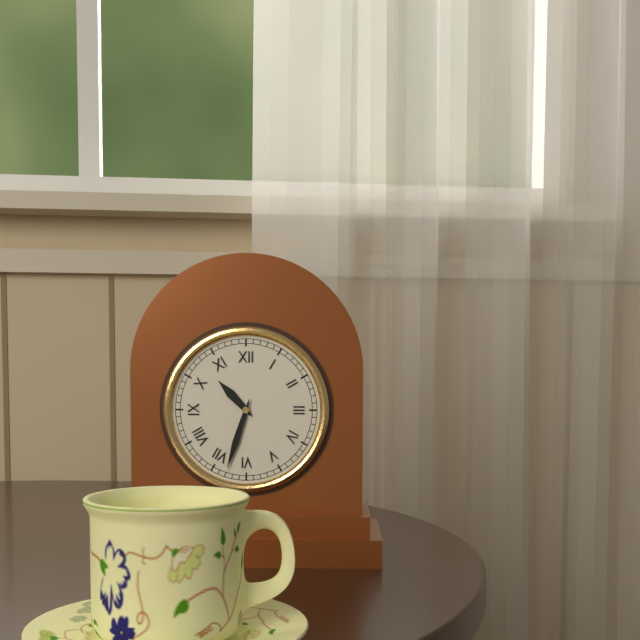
10:33
